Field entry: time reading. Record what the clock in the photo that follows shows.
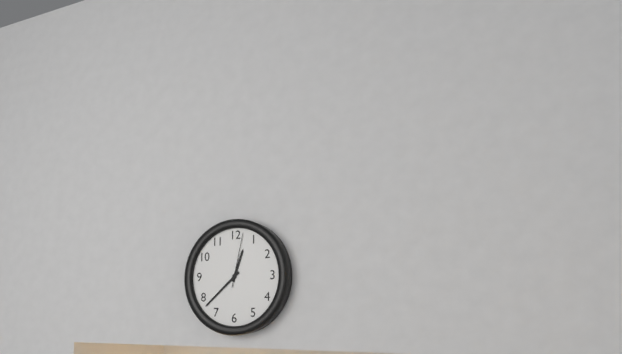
12:38:02
